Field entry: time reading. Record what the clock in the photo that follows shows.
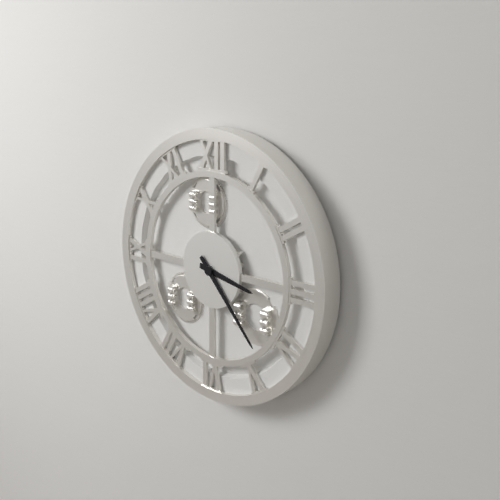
3:23
